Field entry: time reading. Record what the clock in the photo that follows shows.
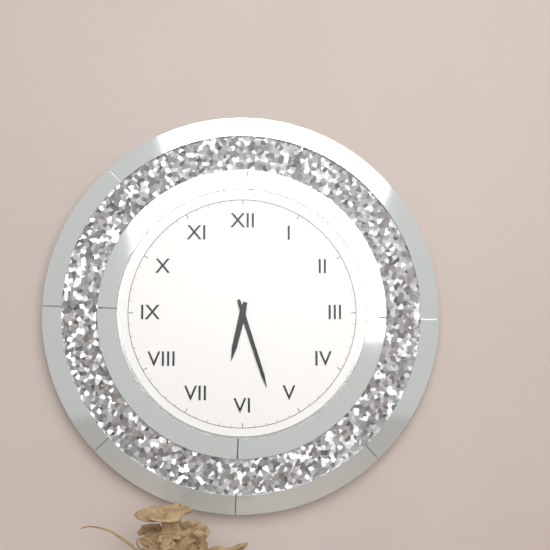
6:27
